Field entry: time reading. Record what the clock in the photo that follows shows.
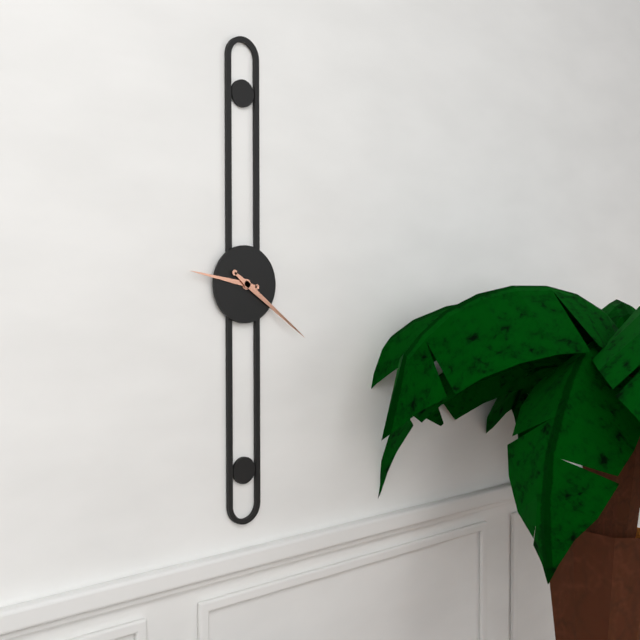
9:21
